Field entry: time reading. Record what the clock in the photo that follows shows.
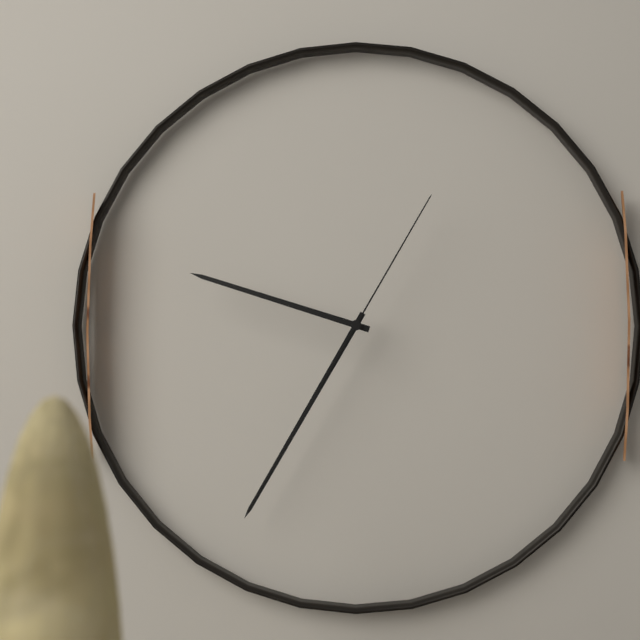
9:35:05
